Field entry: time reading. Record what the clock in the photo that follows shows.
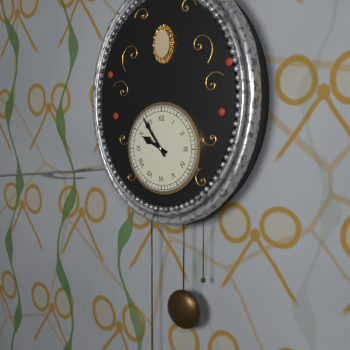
9:54
